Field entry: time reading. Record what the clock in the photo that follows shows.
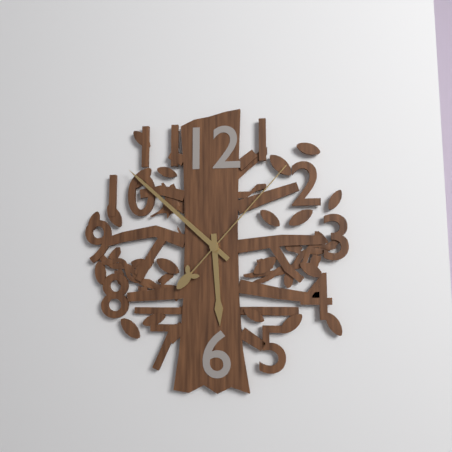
5:52:07
